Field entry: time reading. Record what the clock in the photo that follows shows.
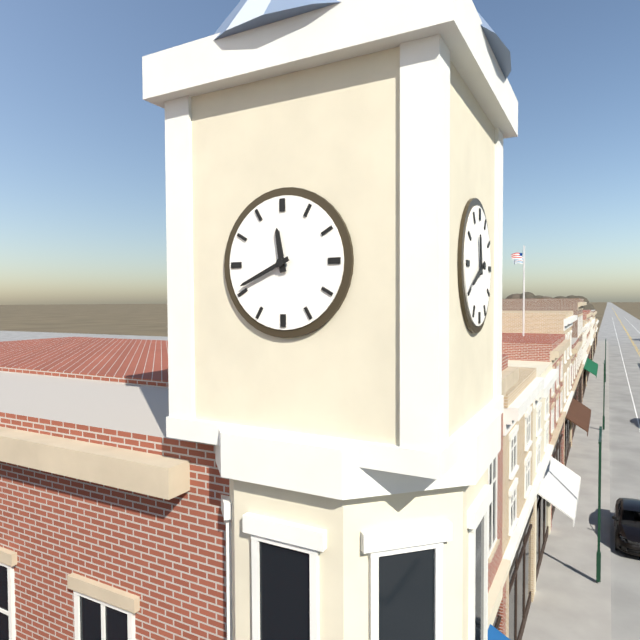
11:41
